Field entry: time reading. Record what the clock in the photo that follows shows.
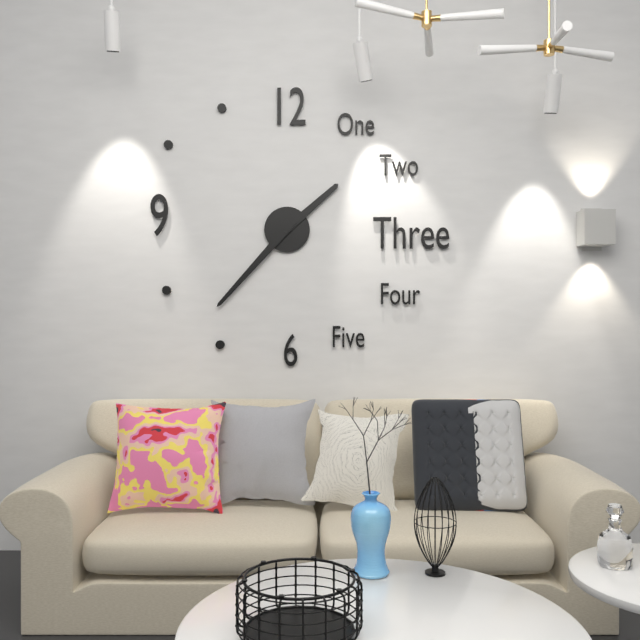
1:37
